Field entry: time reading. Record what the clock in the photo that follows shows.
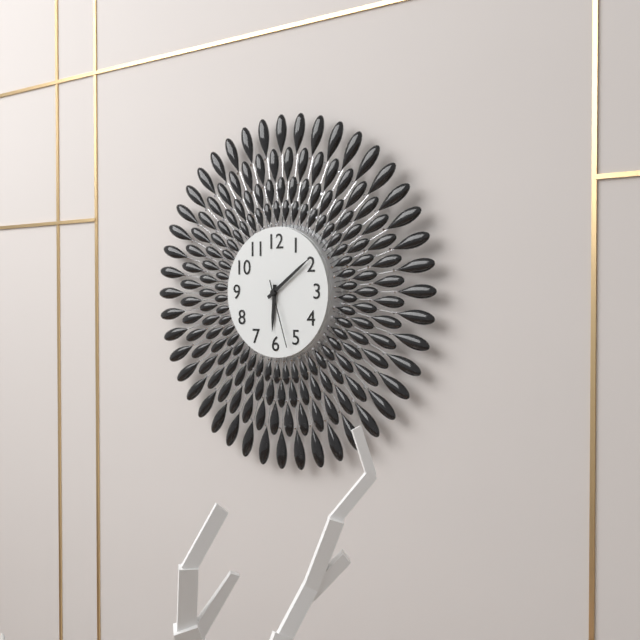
6:09:27
